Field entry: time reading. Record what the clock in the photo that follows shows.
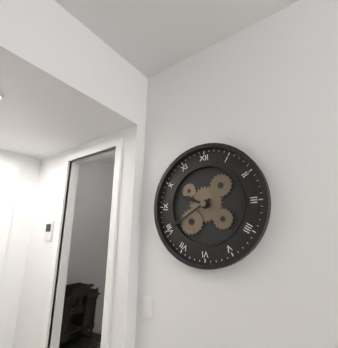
9:40
